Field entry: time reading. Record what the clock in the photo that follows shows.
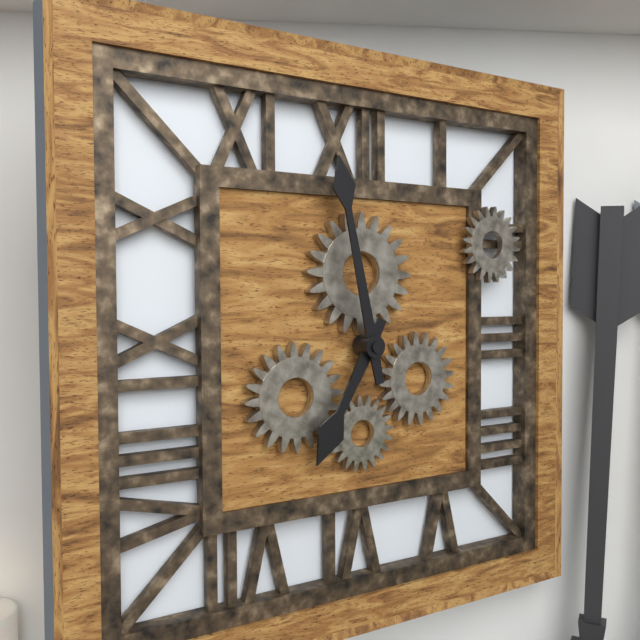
6:58
